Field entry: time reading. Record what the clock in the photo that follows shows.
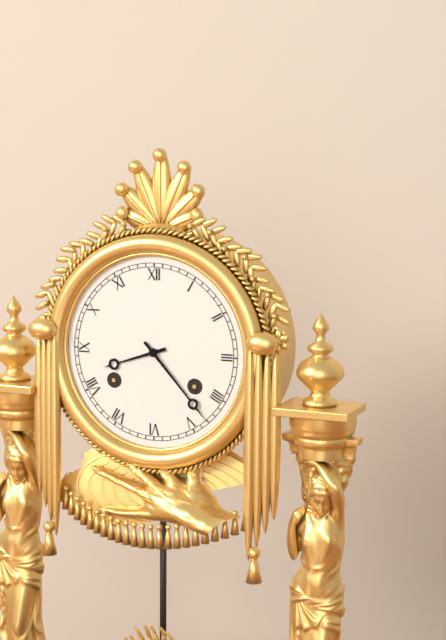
8:23
